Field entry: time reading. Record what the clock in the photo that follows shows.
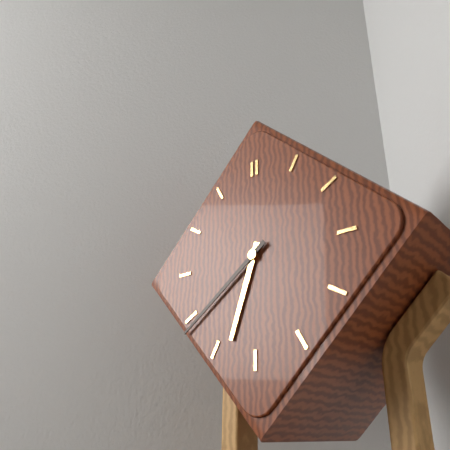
6:39
